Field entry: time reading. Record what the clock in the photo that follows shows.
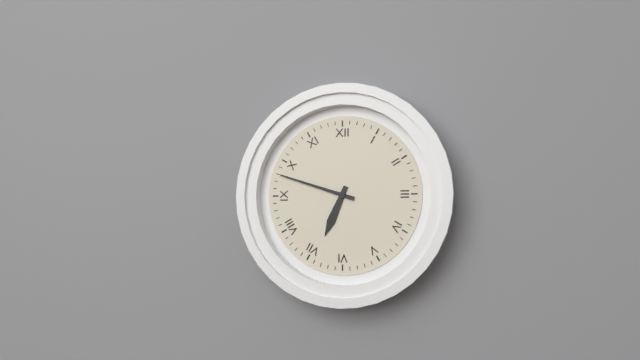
6:48
